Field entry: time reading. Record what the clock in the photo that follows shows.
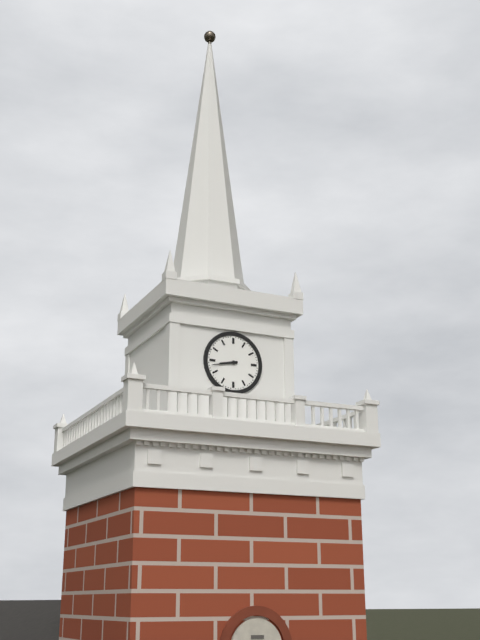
8:43
